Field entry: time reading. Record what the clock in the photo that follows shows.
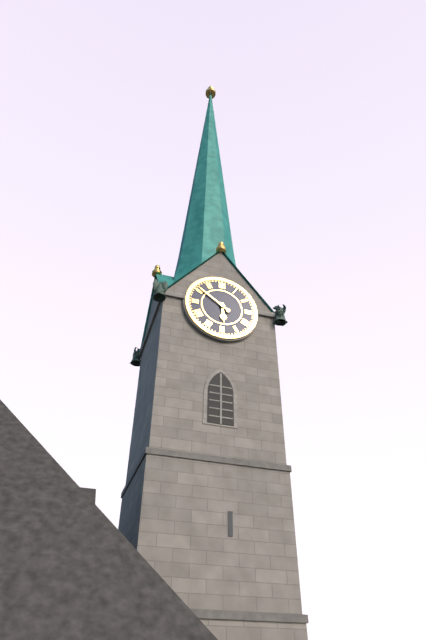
5:51
